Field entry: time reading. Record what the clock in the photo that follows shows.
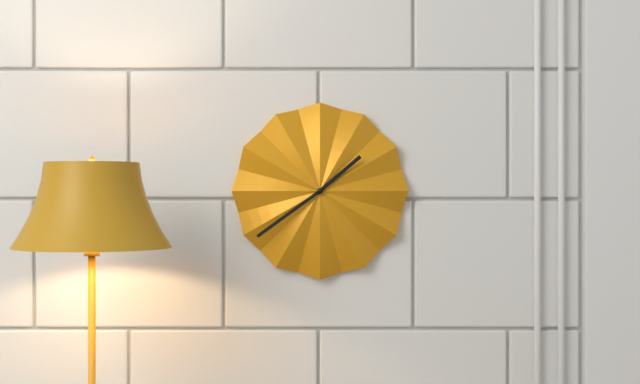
1:39
